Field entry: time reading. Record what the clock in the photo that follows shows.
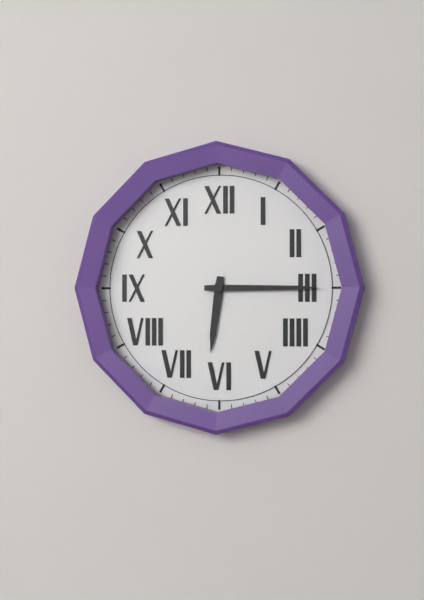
6:15
